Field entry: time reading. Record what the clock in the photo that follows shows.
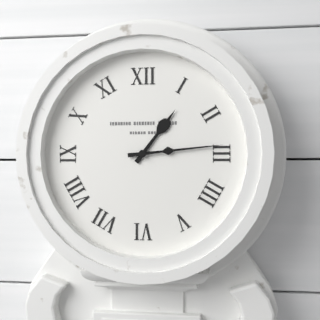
1:14
